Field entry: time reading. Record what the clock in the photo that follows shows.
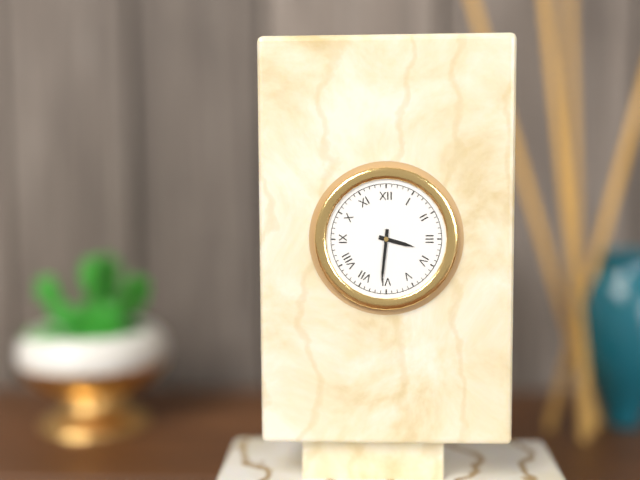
3:31
